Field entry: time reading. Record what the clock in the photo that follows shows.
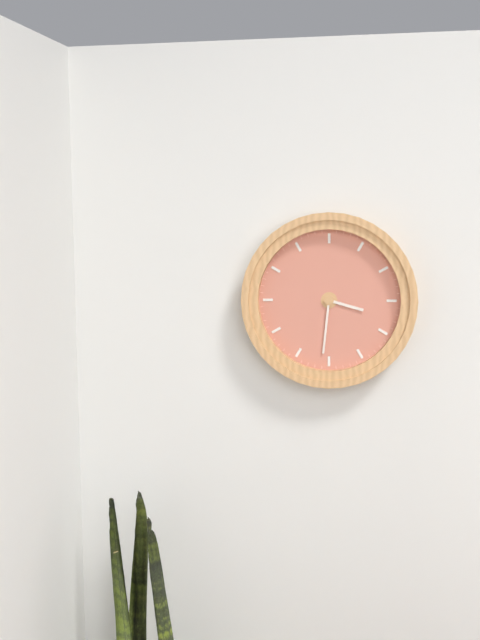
3:31
